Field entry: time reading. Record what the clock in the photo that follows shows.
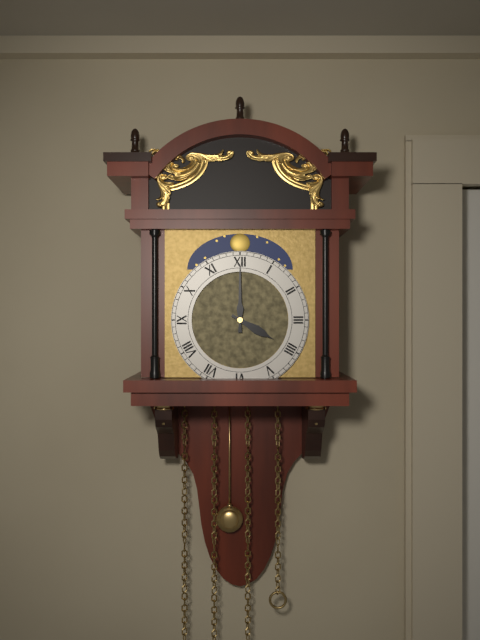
4:00
